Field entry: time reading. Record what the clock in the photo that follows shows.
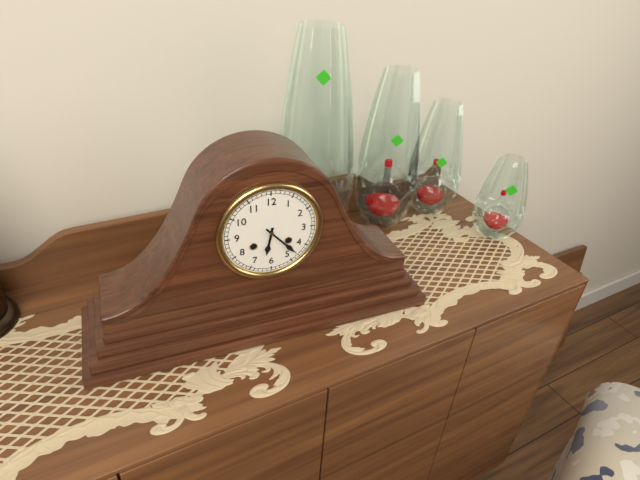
6:23
